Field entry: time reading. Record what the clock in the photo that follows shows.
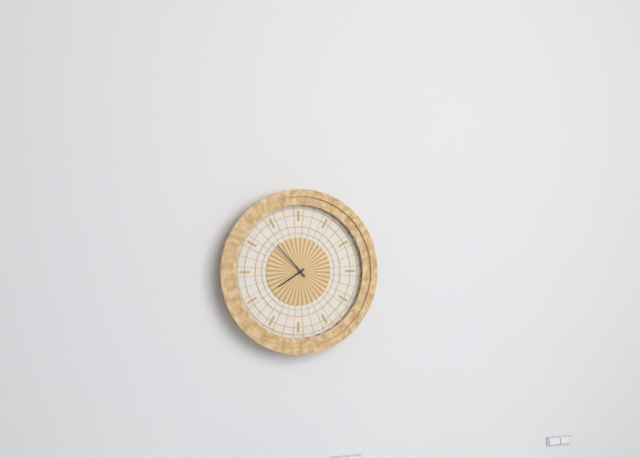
7:53
